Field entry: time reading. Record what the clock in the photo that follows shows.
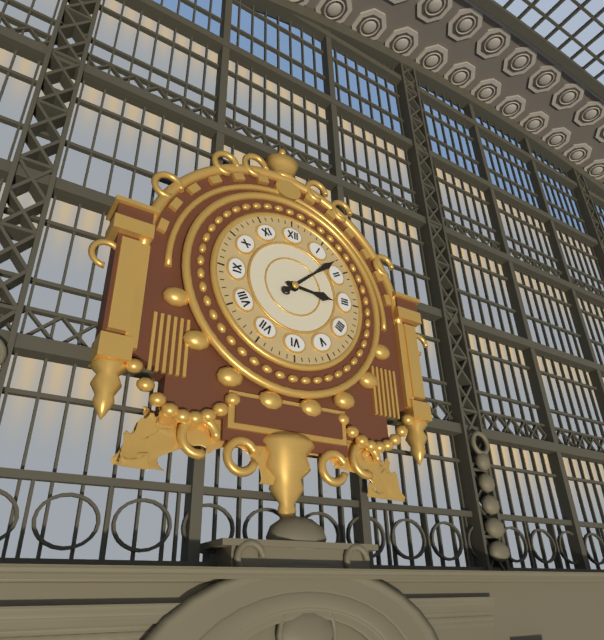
3:08
